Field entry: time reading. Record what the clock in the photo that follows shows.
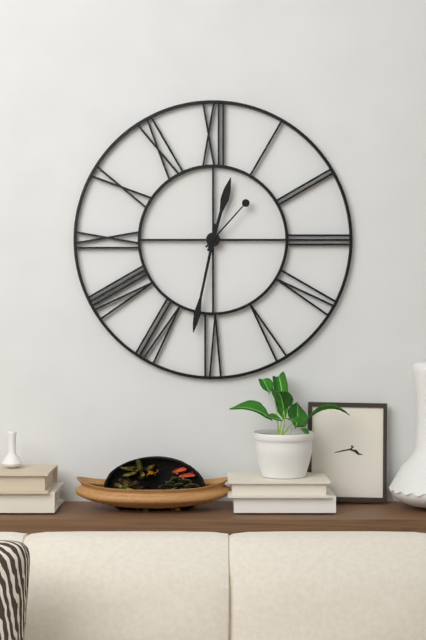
12:32:07
